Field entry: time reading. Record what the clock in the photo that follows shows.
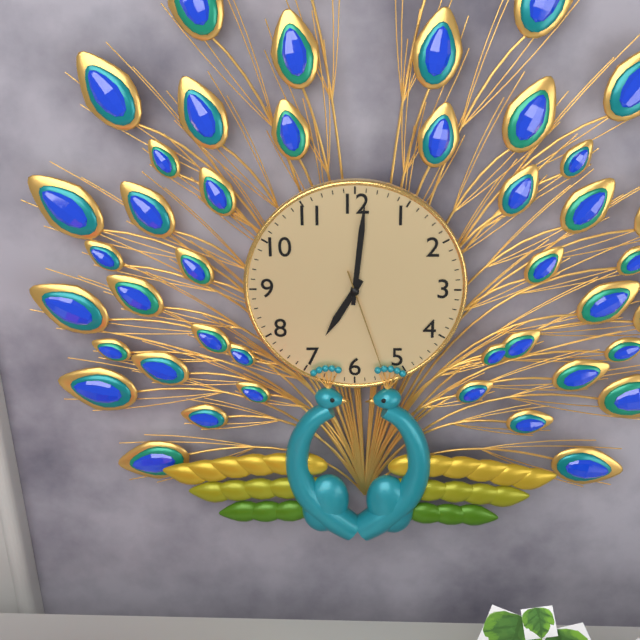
7:01:27
